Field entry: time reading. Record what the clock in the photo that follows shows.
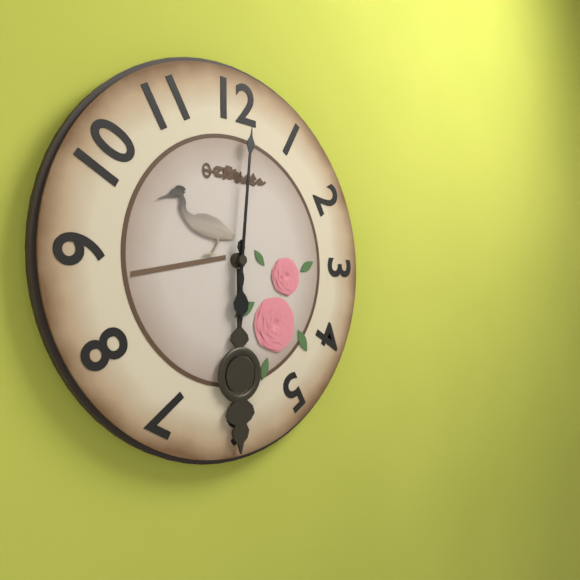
6:01
